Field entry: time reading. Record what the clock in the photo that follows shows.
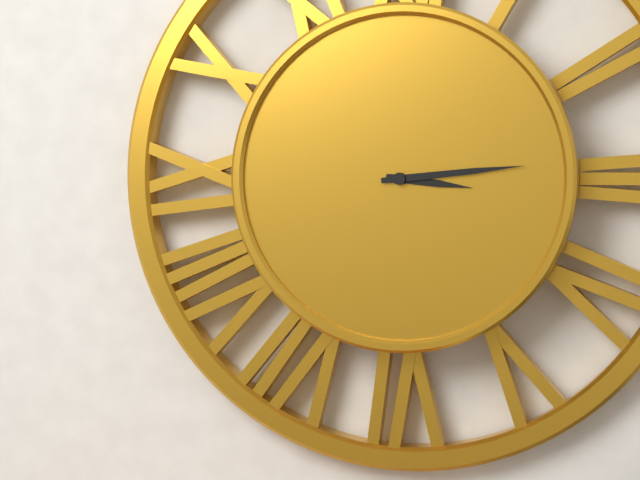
3:14
